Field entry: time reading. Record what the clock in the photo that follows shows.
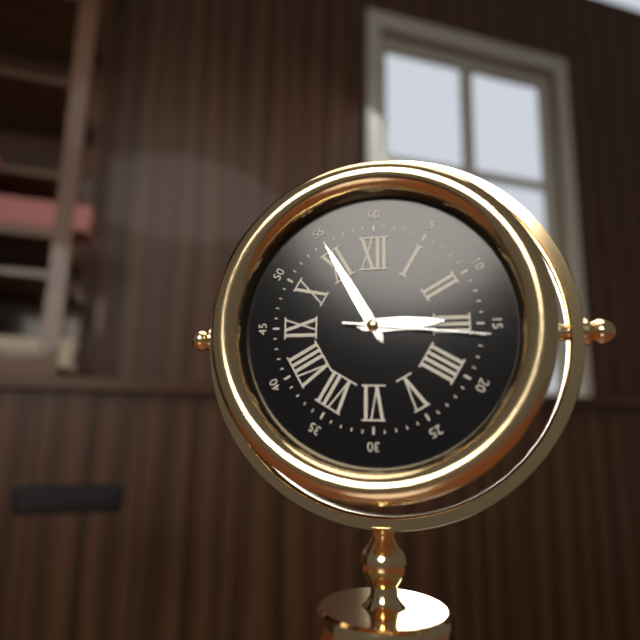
2:55:16
